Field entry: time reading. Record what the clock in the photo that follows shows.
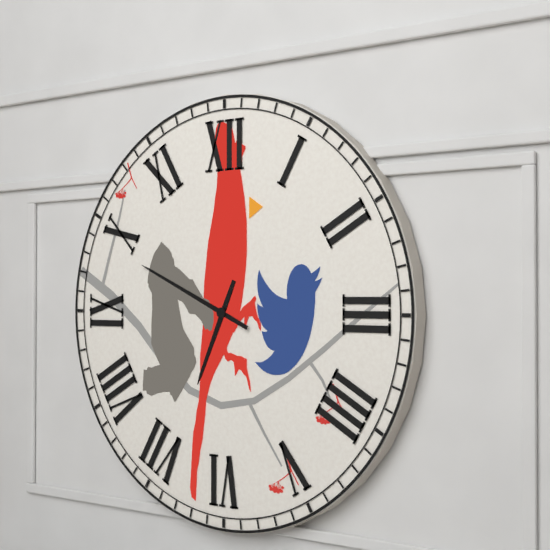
6:49
